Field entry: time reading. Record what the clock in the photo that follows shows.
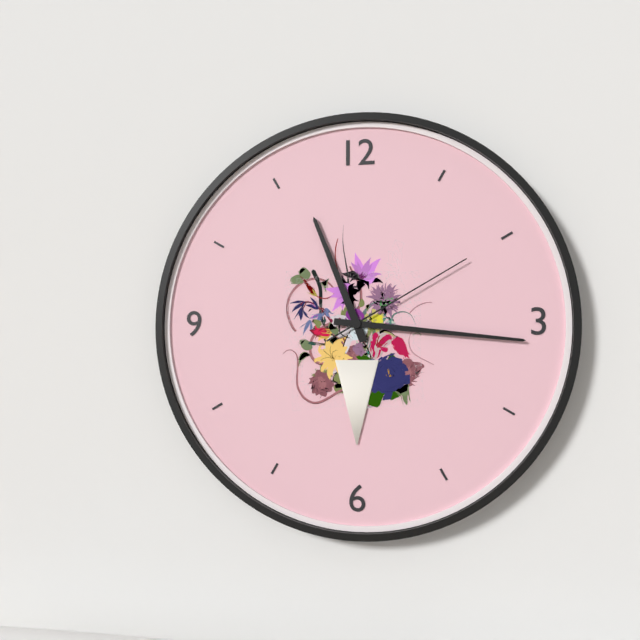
11:16:10
